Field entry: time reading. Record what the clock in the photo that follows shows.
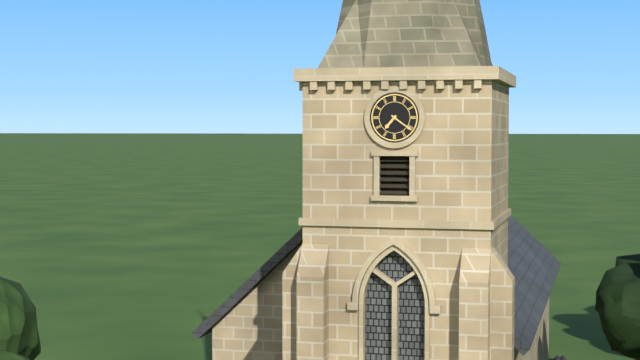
7:21
